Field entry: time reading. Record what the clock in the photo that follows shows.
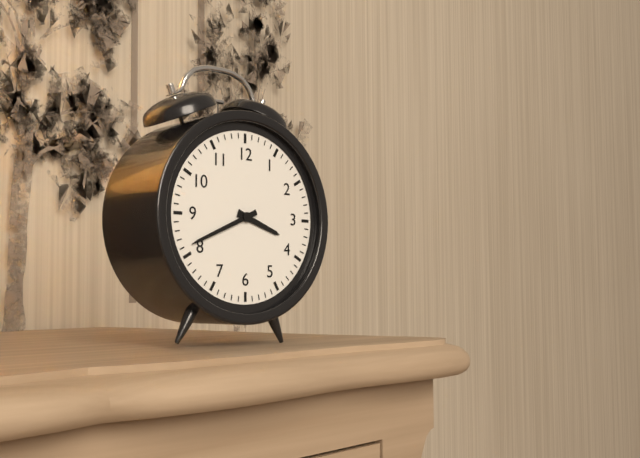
3:41
